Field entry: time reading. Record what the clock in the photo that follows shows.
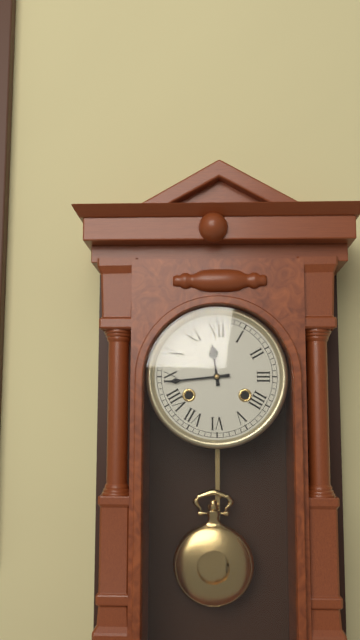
11:44
